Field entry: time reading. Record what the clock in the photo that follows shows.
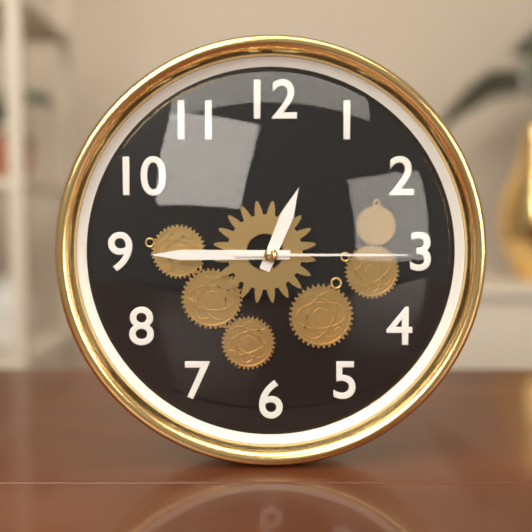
12:45:15
